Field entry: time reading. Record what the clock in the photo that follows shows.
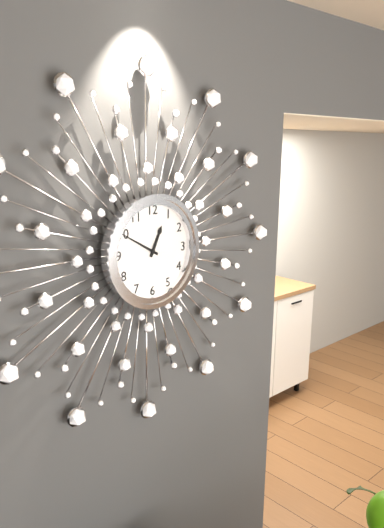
12:50
